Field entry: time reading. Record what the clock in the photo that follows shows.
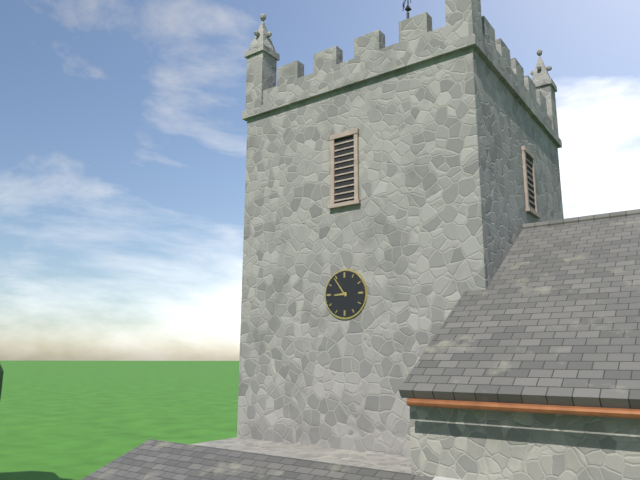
8:54
